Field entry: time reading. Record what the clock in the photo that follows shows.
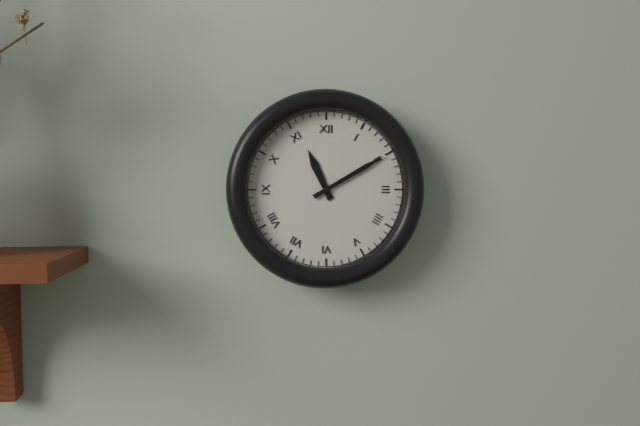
11:10
